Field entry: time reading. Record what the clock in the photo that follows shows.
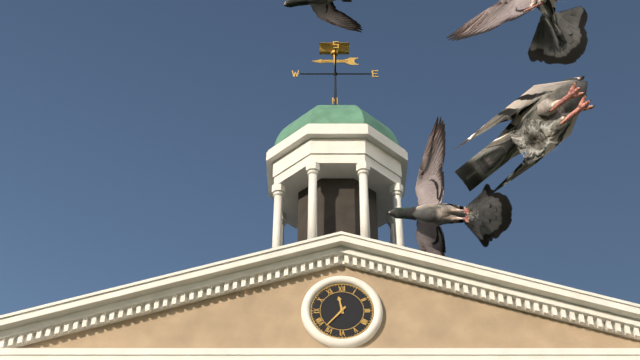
11:37
